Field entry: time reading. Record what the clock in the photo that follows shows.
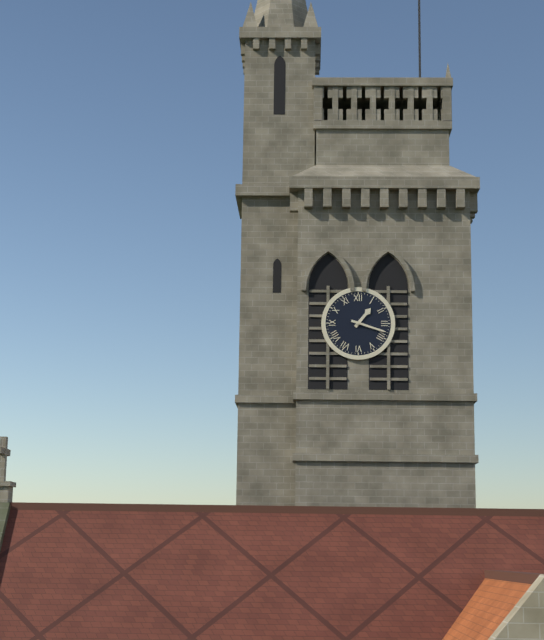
1:18
